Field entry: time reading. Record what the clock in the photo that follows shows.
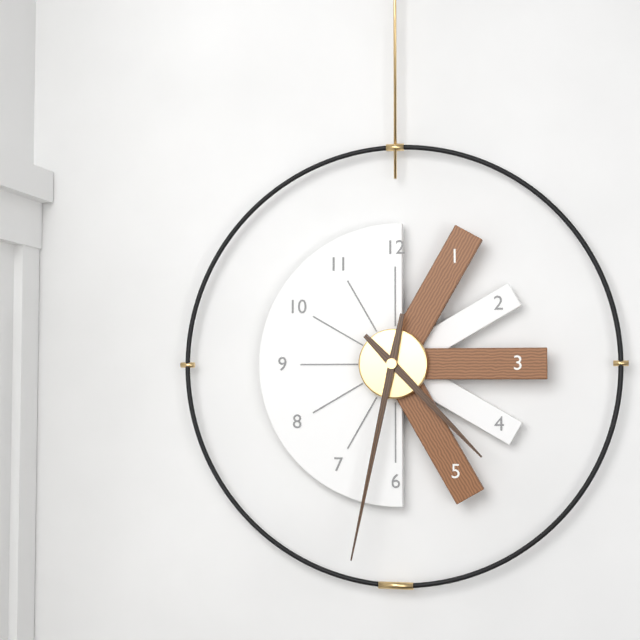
4:32
